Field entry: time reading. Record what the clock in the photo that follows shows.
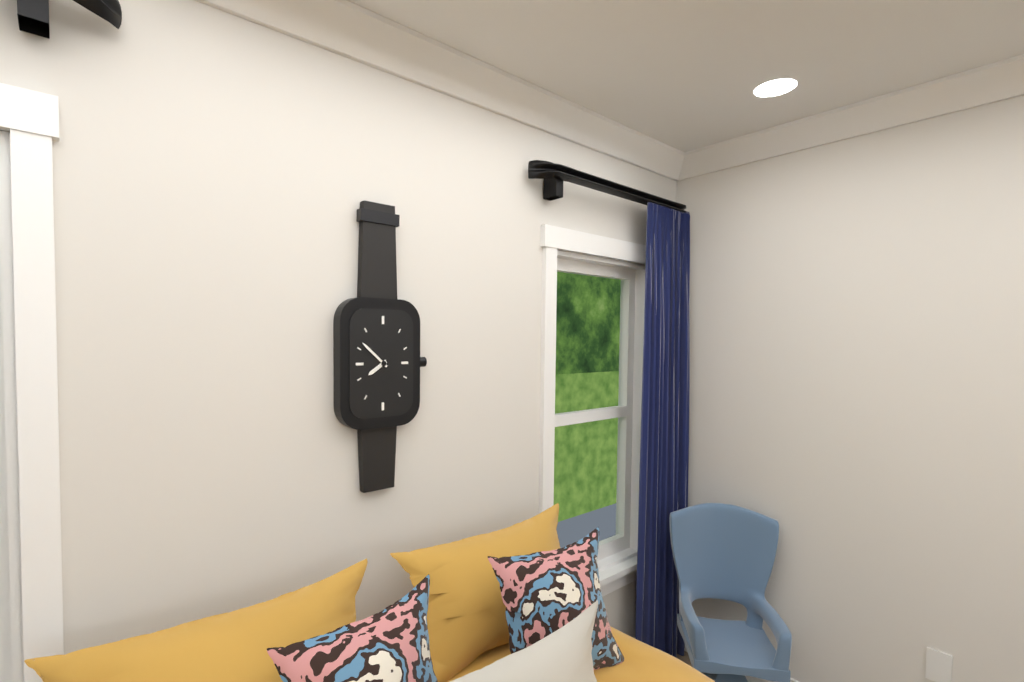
7:52
